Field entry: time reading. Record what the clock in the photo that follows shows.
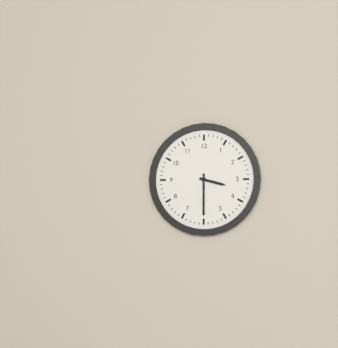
3:30
